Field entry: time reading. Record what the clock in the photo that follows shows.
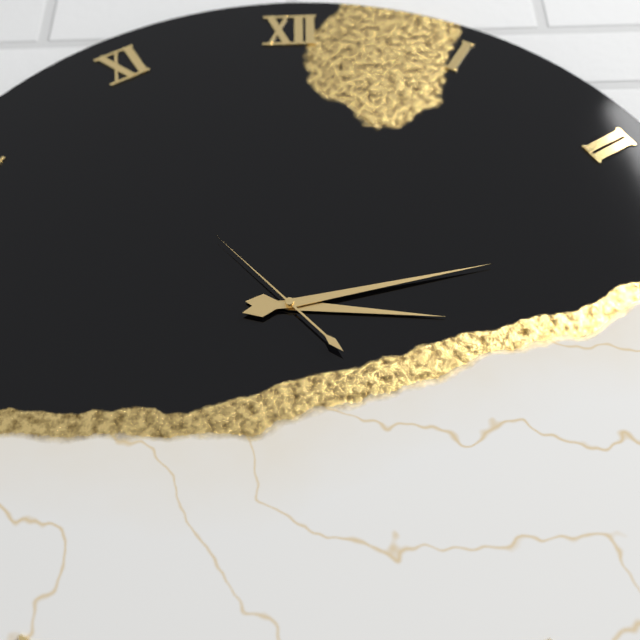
3:13:53
